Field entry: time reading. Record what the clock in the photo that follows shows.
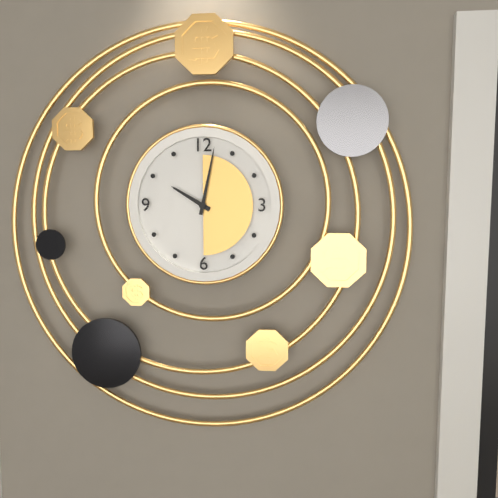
10:02
